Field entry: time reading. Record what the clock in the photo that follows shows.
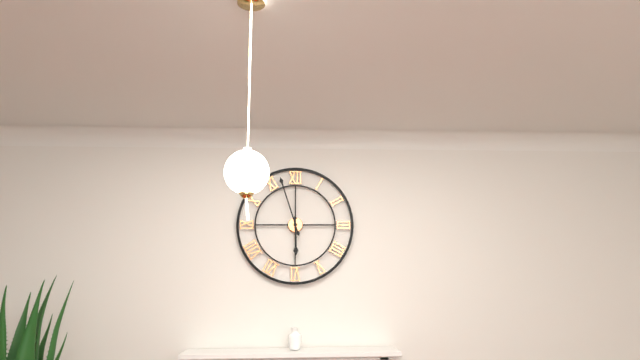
5:57
